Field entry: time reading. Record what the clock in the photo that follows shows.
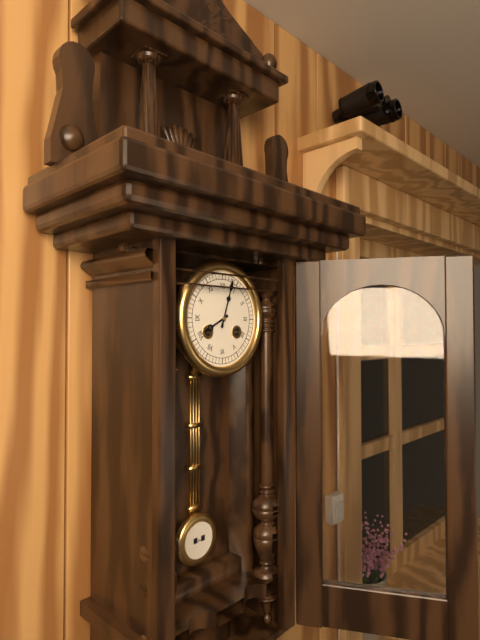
8:03
